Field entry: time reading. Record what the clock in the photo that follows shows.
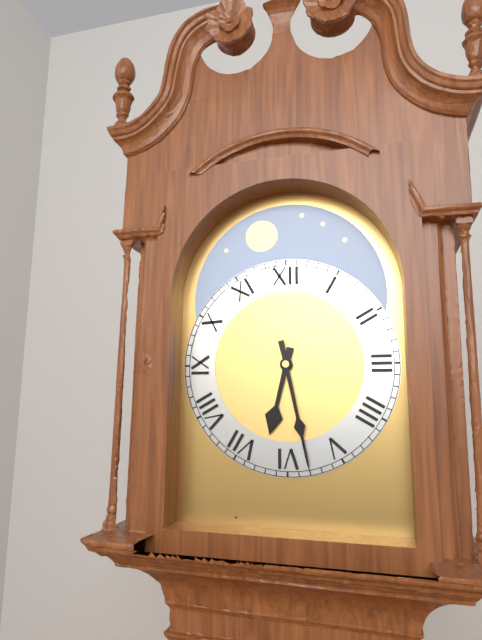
6:28
